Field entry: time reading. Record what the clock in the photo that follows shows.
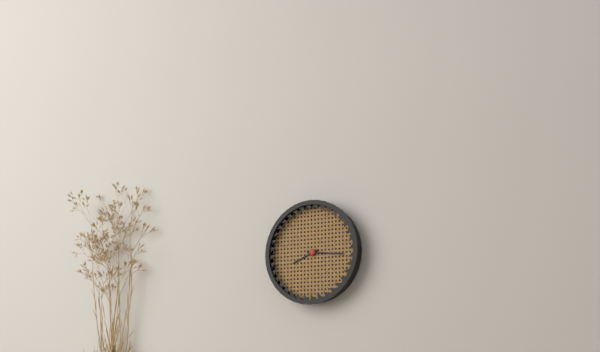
8:16
